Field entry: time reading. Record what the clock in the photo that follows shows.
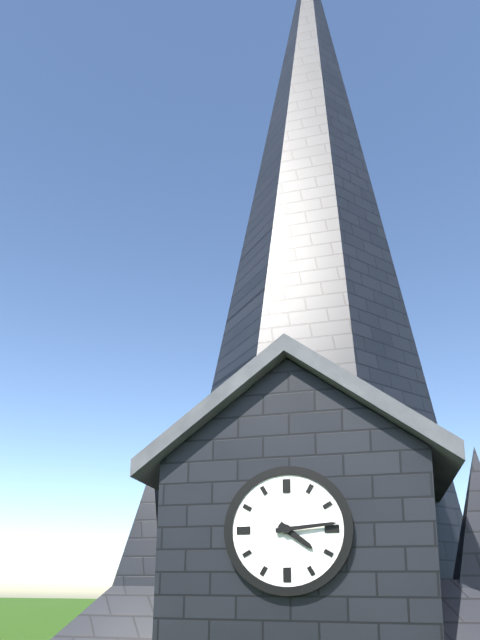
4:14
